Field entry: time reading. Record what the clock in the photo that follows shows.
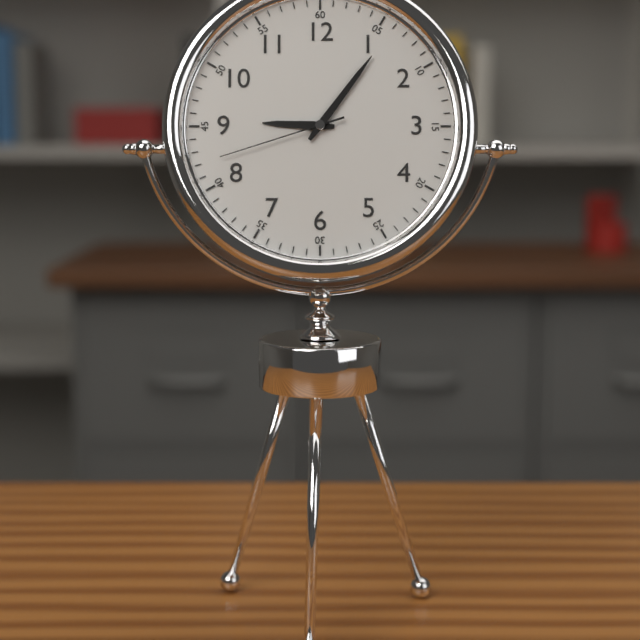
9:06:42
